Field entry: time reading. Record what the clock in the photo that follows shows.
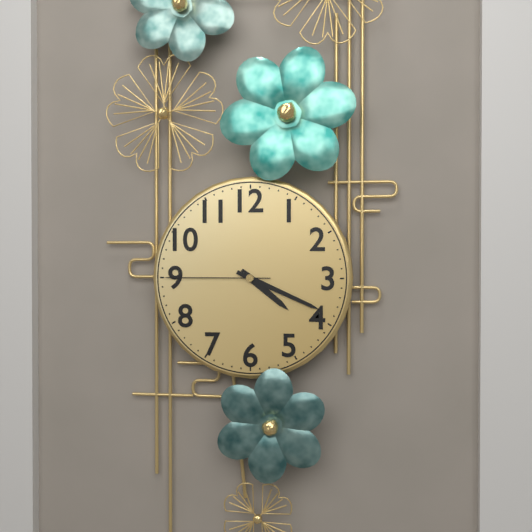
4:19:45
